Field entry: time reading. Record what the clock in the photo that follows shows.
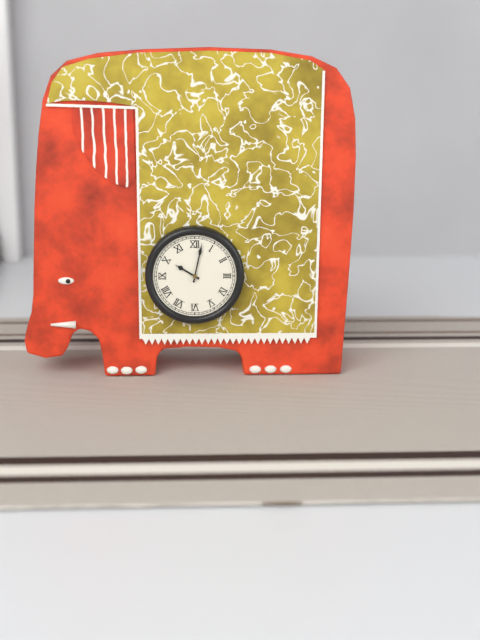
10:02
